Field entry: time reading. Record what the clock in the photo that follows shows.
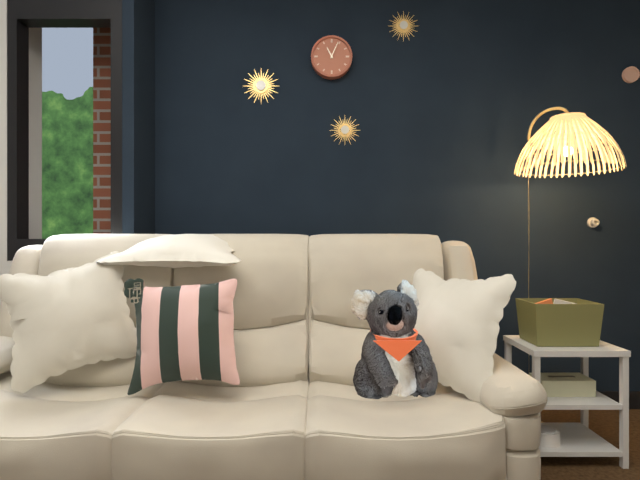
11:04
